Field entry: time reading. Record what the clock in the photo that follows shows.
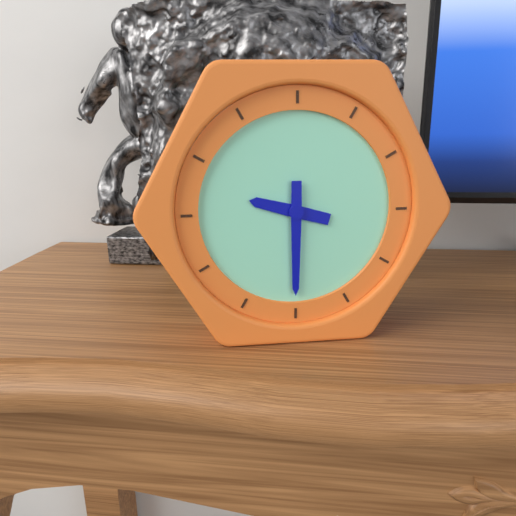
9:30
